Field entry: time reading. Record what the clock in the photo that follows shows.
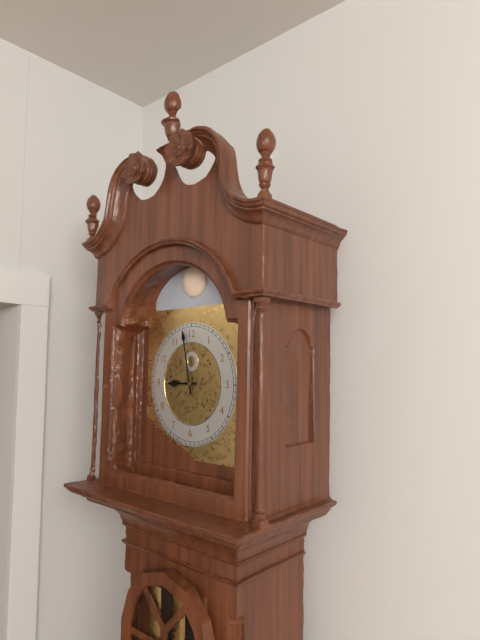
8:58
